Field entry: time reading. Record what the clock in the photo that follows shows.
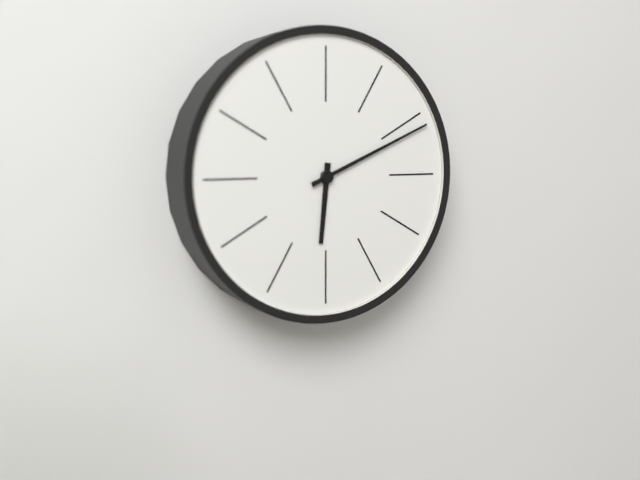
6:11
